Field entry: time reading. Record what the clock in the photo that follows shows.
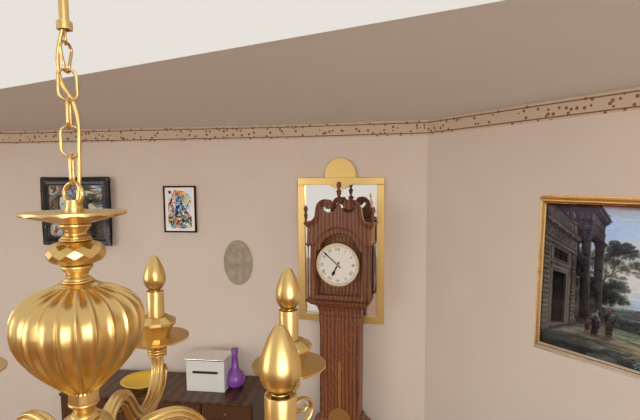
6:52
